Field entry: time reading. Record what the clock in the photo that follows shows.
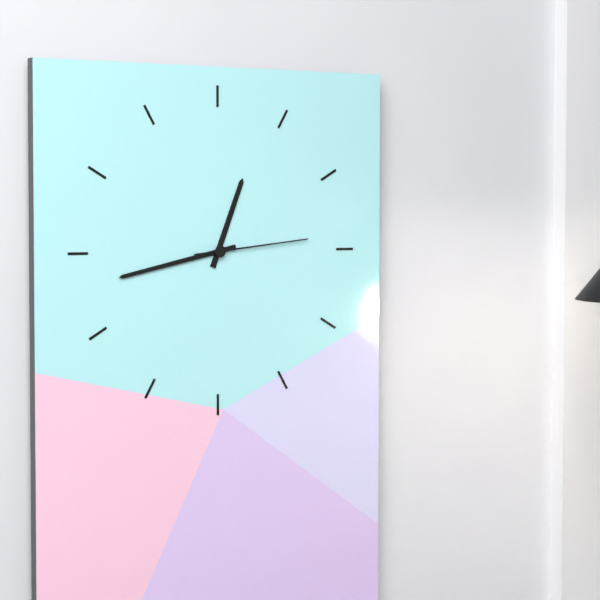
12:43:14
